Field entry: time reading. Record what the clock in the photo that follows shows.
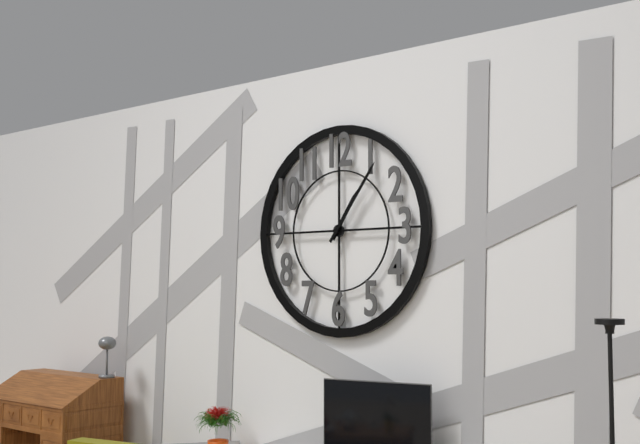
1:06
